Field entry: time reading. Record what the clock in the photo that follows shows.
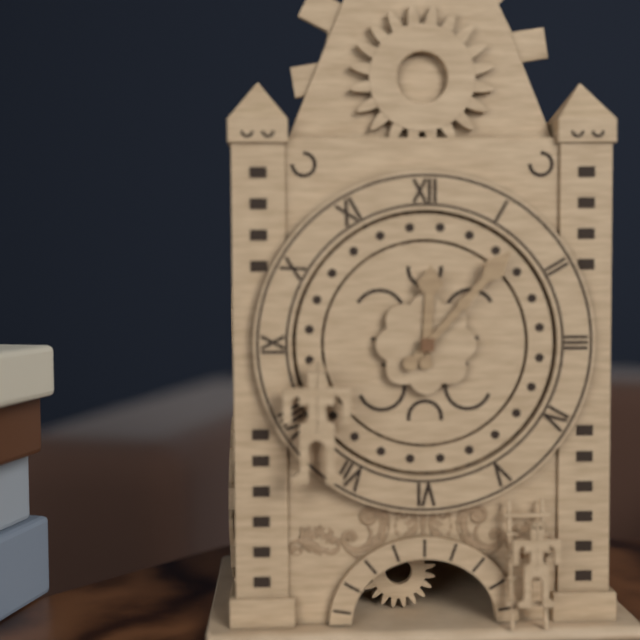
12:07
